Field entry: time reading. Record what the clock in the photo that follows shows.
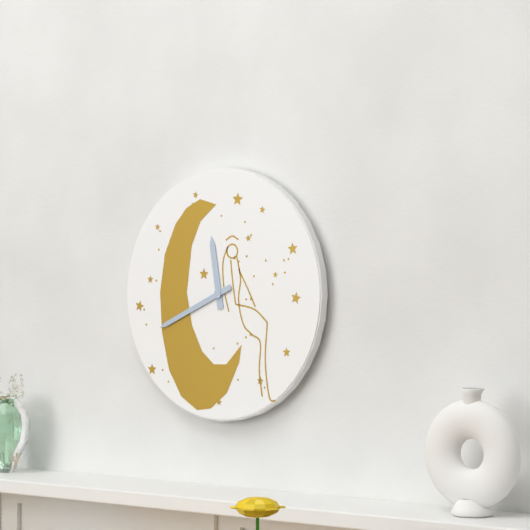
11:41
